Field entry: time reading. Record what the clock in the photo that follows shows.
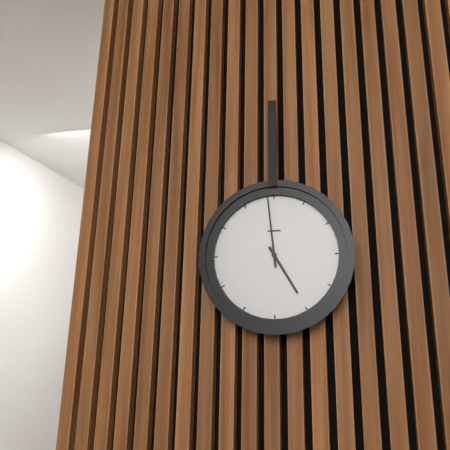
4:59
